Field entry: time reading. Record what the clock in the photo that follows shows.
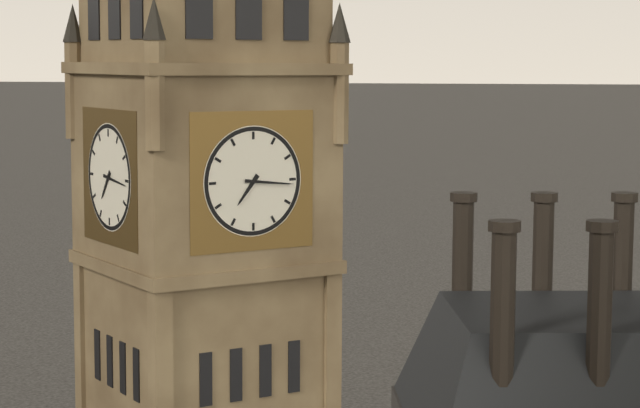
7:16
